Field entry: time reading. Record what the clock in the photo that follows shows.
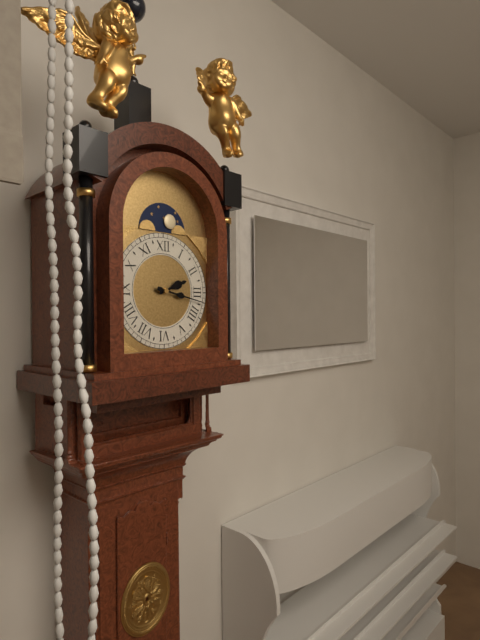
2:17
